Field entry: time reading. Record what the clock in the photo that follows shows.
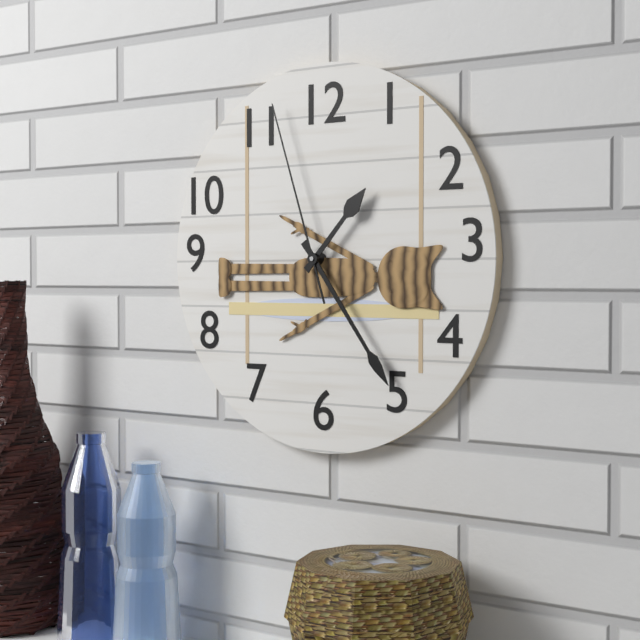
1:24:57
